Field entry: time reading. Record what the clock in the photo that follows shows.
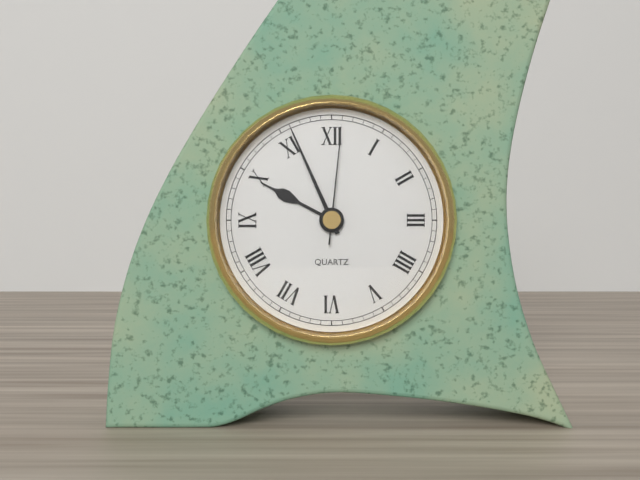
9:56:01
